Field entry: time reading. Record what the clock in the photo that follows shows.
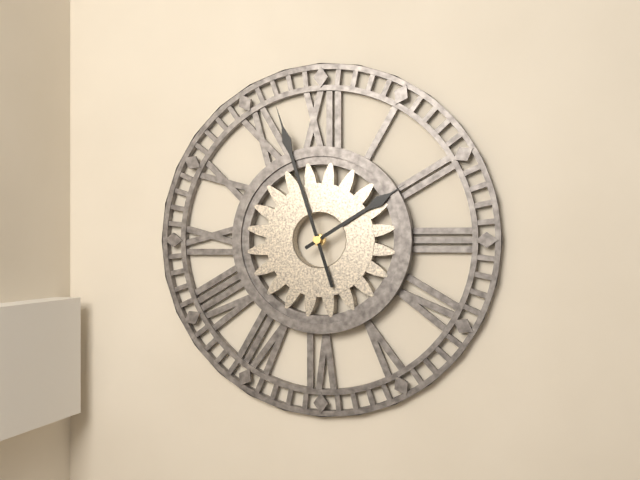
1:57
